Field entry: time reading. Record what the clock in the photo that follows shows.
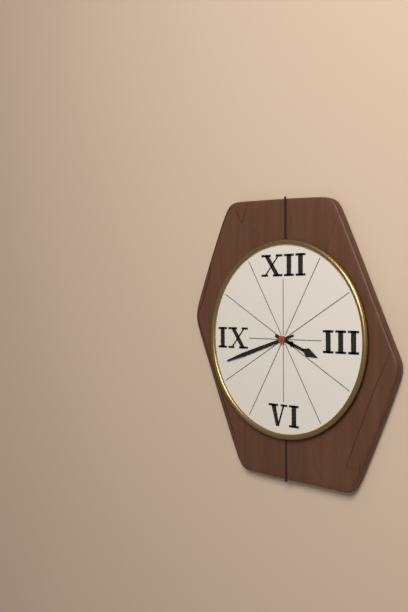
3:42
